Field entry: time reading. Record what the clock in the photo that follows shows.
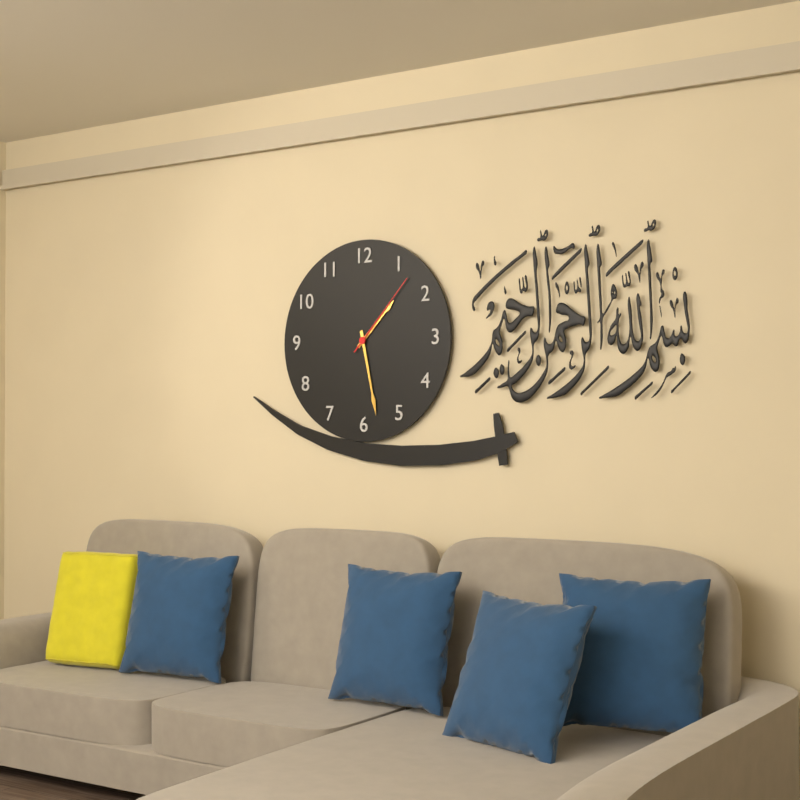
1:28:07
